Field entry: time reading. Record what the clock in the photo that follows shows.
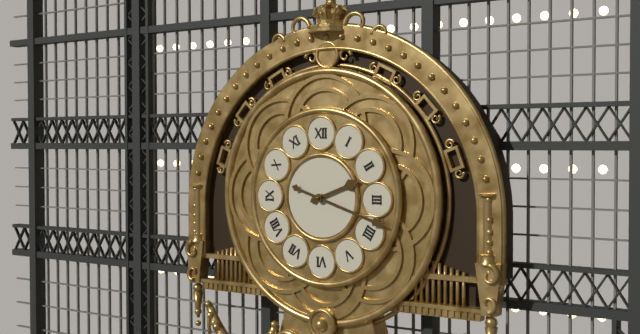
2:18
